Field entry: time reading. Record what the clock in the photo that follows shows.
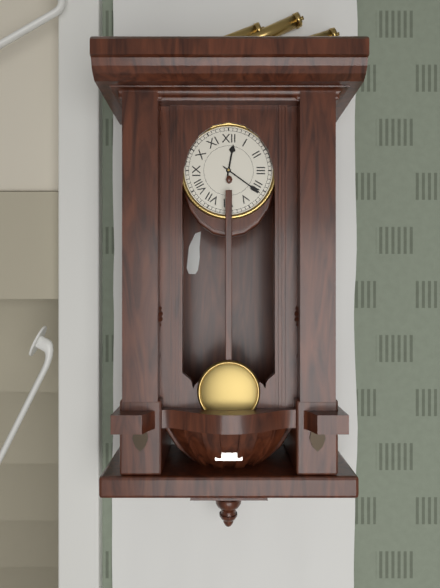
12:21
